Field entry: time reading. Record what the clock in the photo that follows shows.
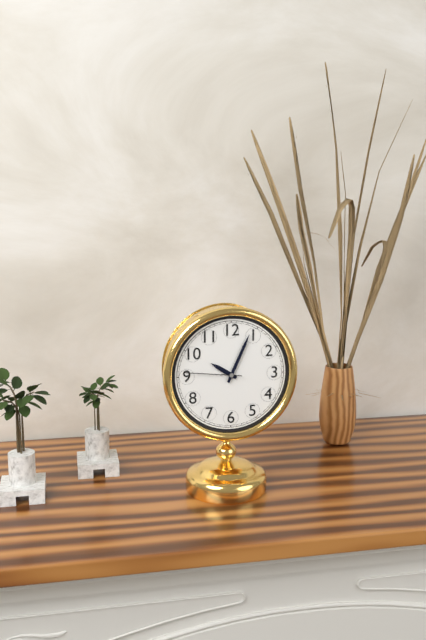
10:04:46
